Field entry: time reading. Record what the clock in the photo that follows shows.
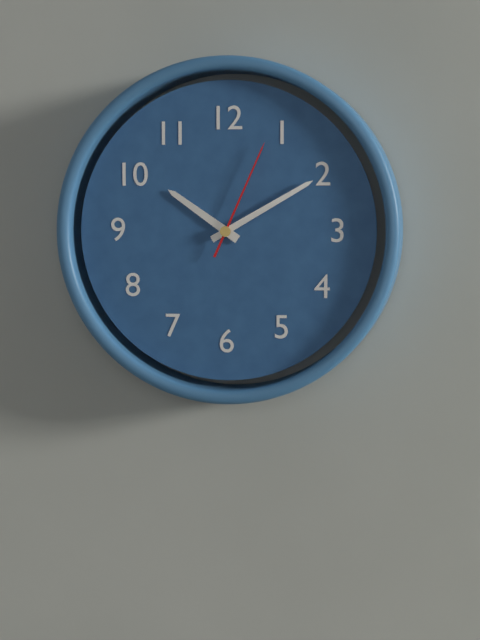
10:10:04
